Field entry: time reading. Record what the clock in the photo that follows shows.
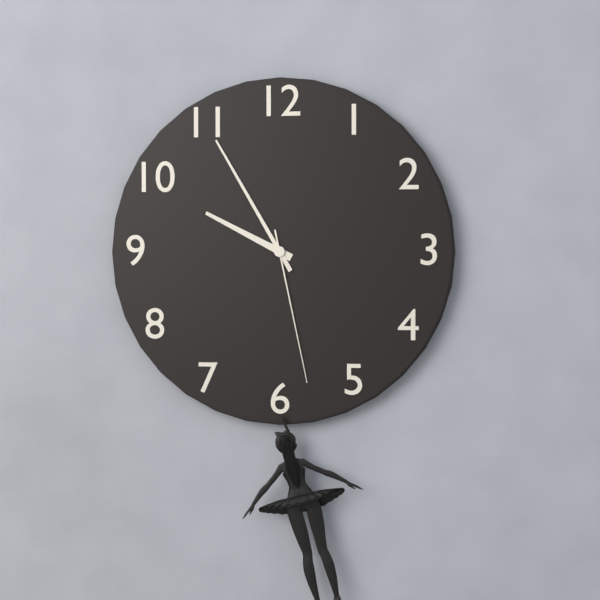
9:55:28
